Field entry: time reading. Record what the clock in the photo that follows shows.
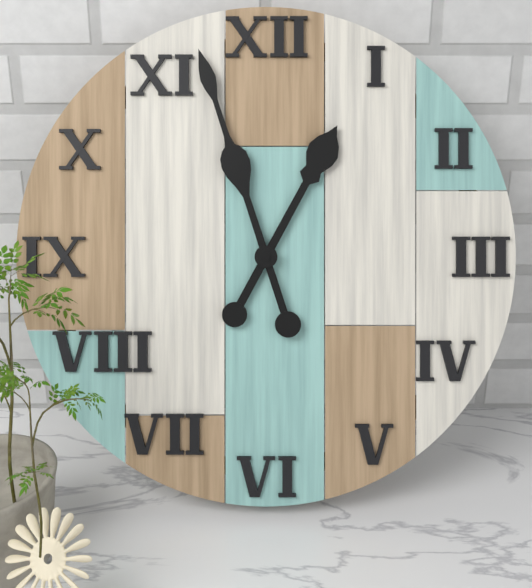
12:57
